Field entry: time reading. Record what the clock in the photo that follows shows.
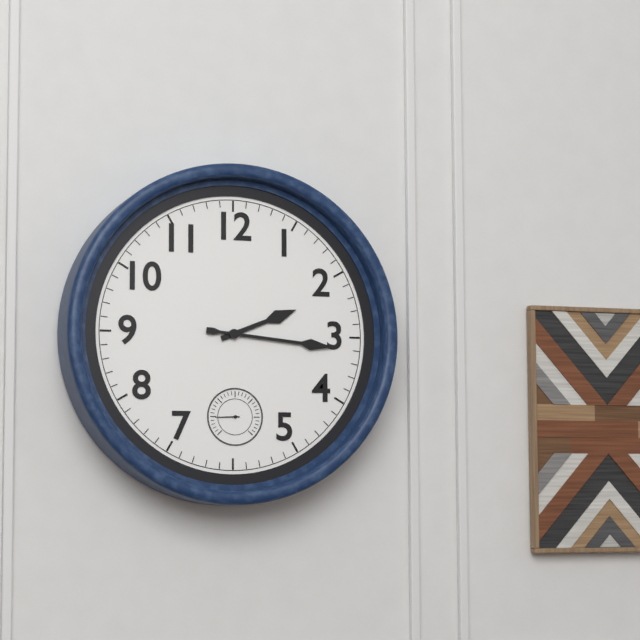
2:16
